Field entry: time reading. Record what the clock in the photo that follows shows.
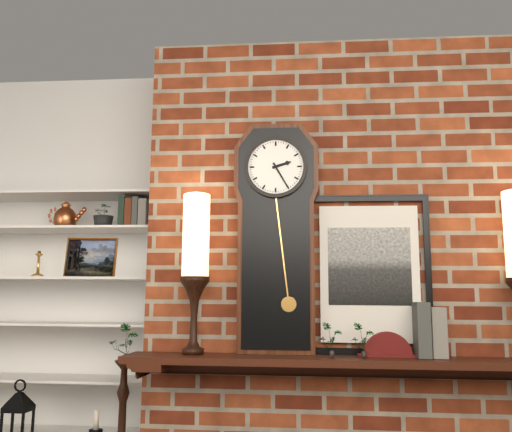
2:25
